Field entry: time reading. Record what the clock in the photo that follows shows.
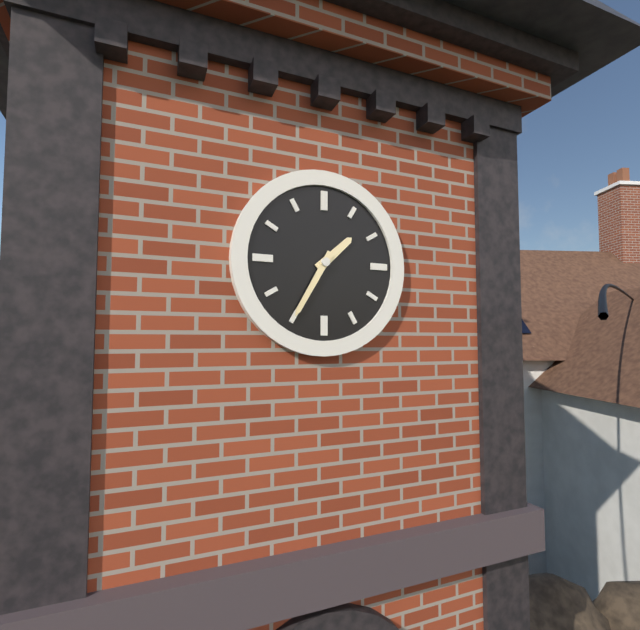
1:35
